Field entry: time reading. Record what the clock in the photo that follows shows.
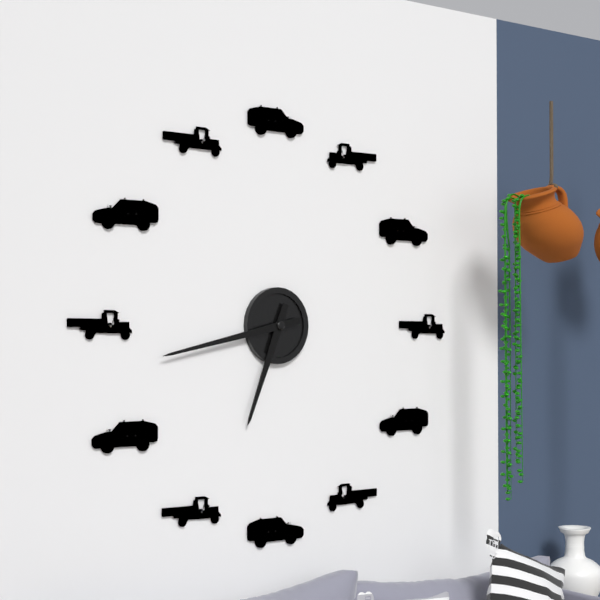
6:43
